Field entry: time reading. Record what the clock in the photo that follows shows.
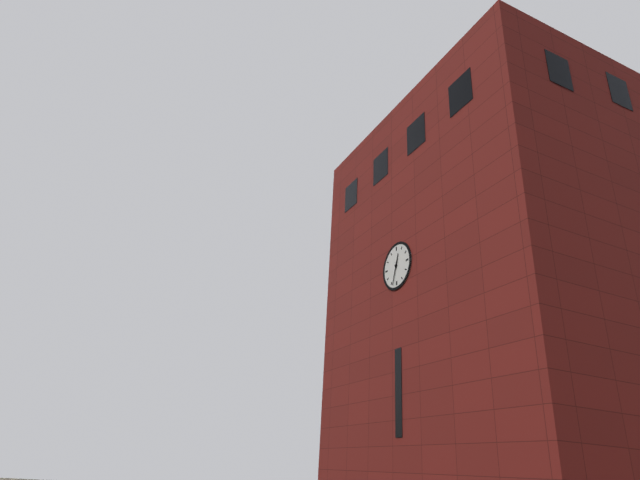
12:33
